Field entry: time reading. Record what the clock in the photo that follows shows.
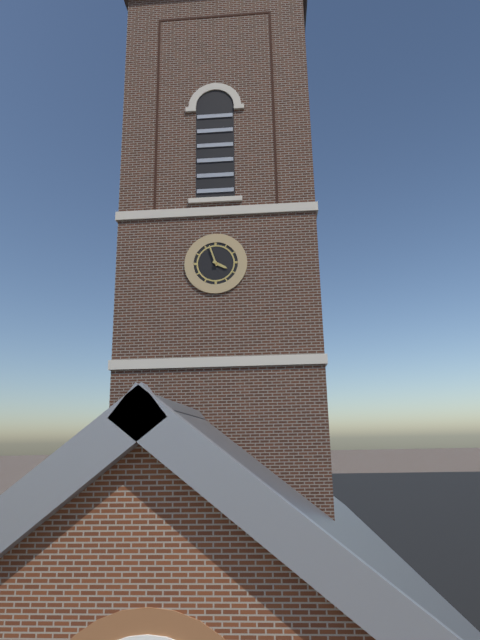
3:57
